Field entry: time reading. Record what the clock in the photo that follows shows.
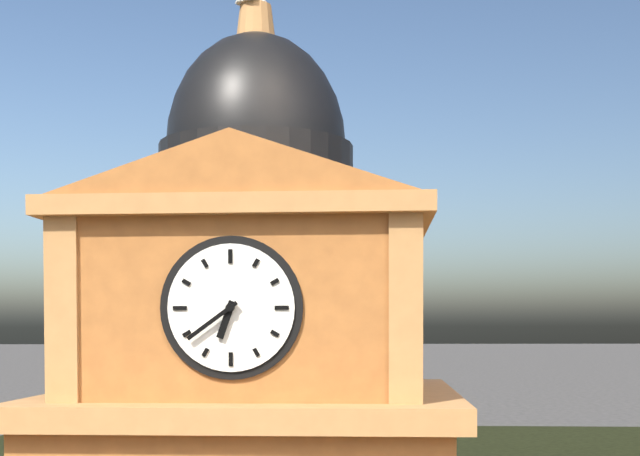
6:39
